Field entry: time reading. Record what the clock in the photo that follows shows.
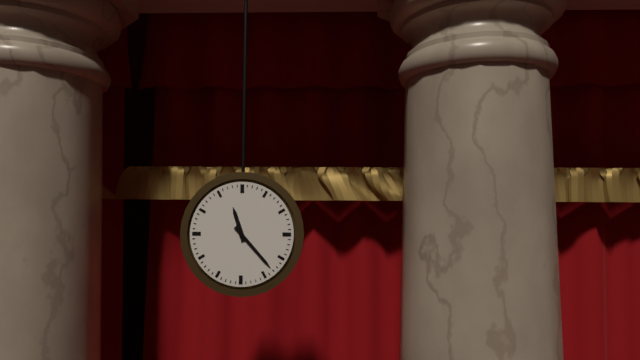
11:23
